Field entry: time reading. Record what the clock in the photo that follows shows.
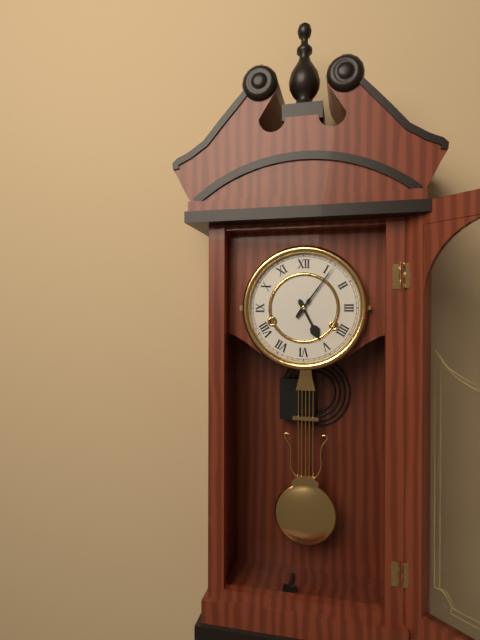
5:06
